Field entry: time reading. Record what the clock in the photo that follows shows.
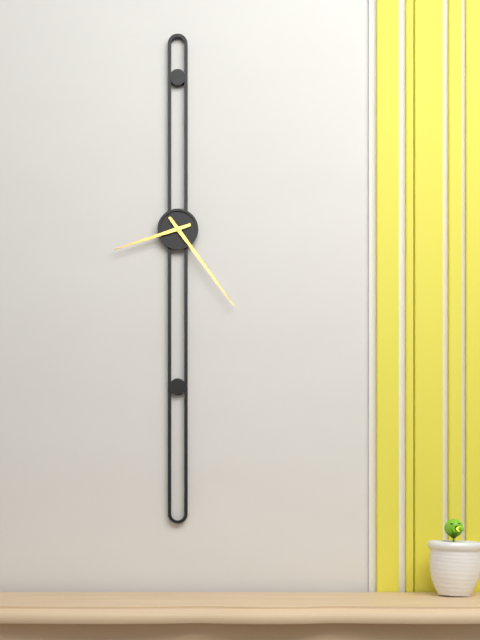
8:24
